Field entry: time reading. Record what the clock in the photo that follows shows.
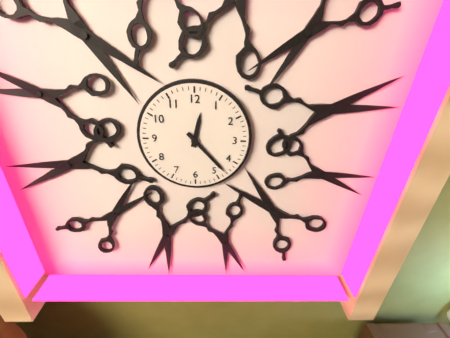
12:23
